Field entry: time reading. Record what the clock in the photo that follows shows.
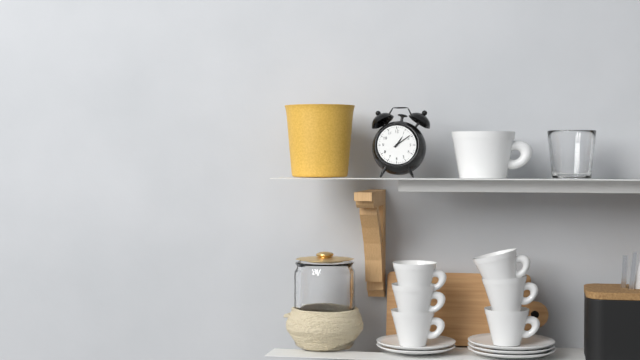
1:09
